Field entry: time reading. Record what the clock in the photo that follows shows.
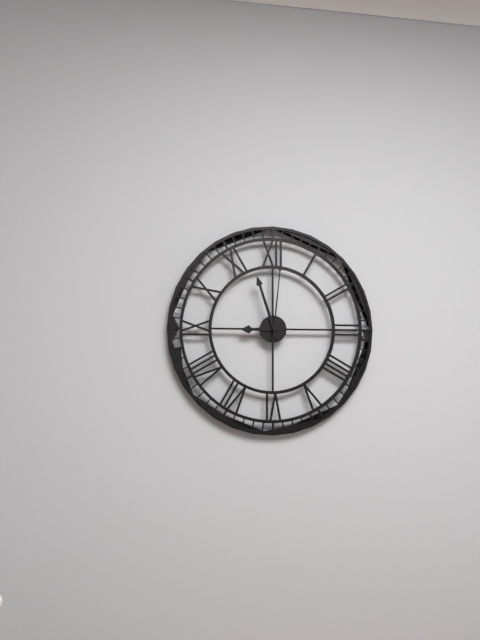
8:57:01
